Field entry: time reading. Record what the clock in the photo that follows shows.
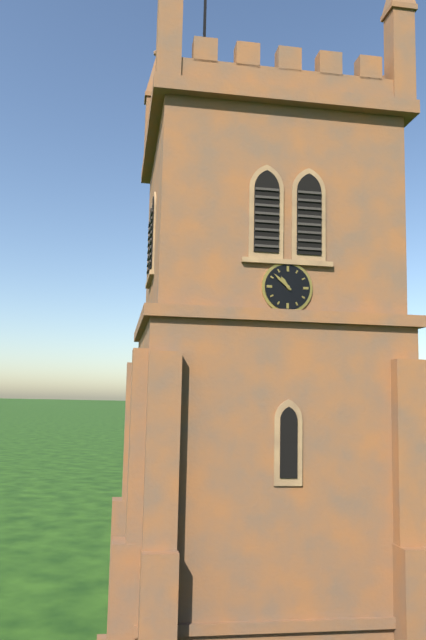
10:52
